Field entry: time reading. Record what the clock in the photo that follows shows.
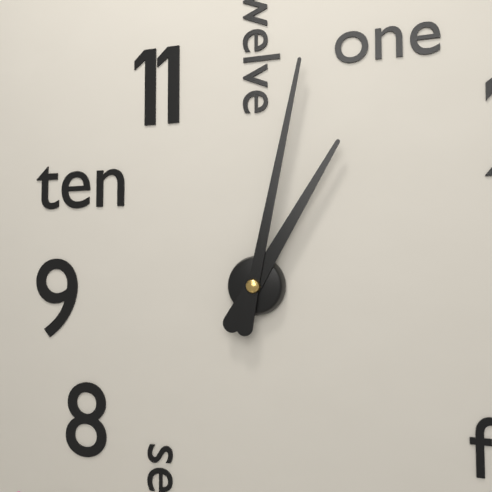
1:02
